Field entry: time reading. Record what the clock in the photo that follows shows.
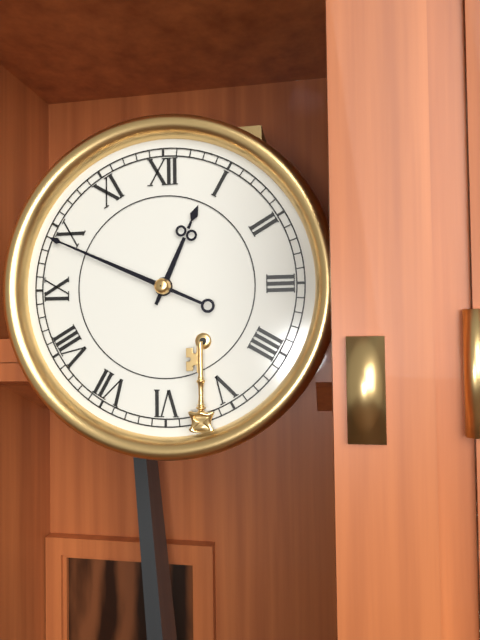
12:49
